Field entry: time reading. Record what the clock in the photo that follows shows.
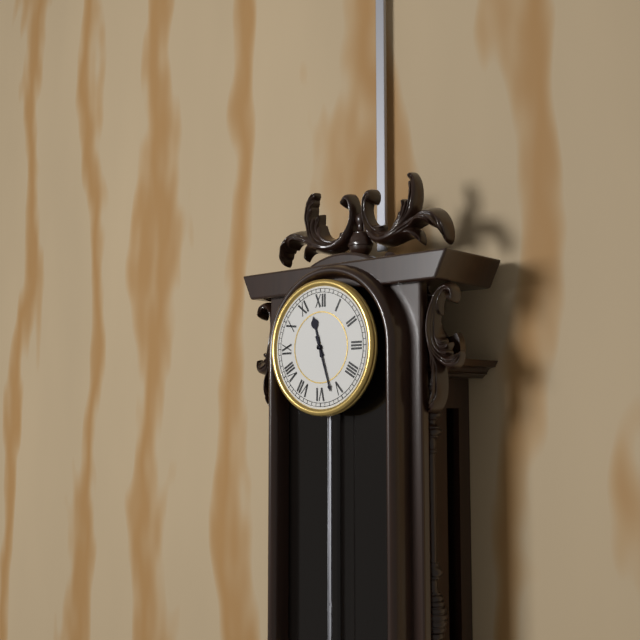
11:27
